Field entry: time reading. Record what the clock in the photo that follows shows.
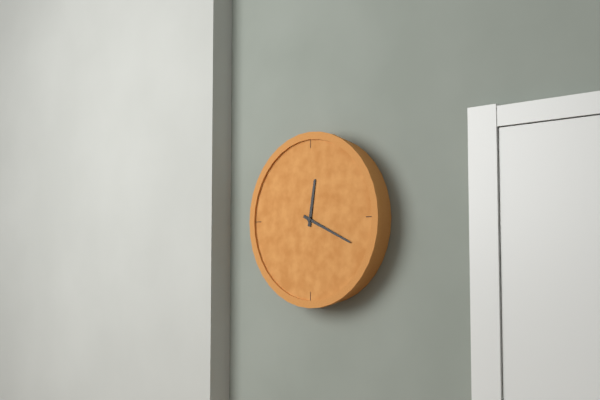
12:19
